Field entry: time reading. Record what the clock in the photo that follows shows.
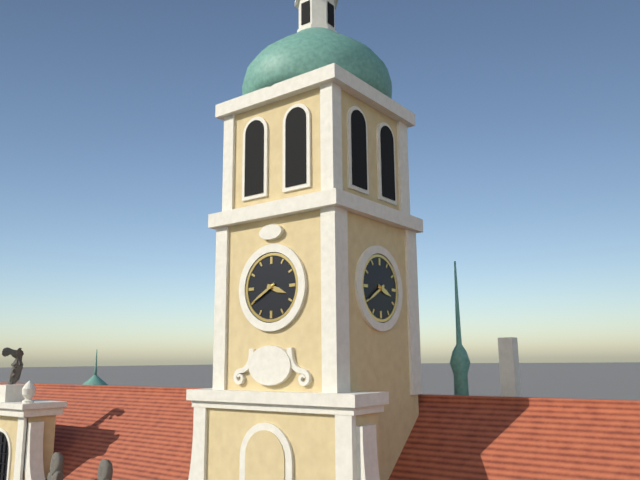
3:40
